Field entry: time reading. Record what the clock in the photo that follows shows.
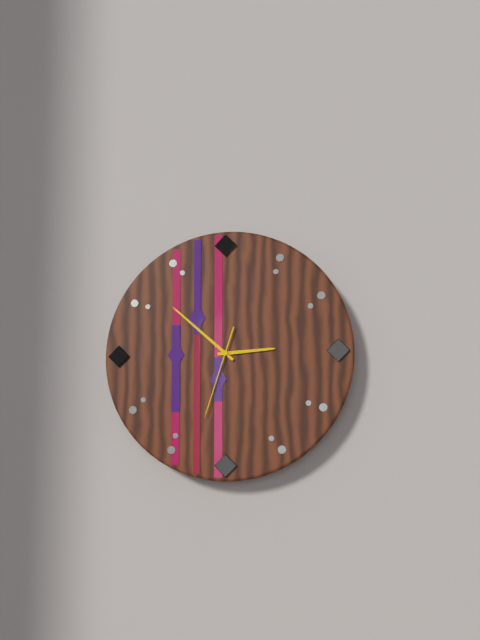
2:52:33
